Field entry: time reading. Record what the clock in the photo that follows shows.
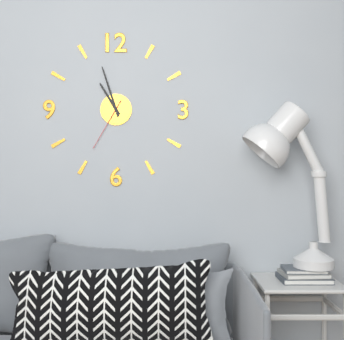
10:57:35
